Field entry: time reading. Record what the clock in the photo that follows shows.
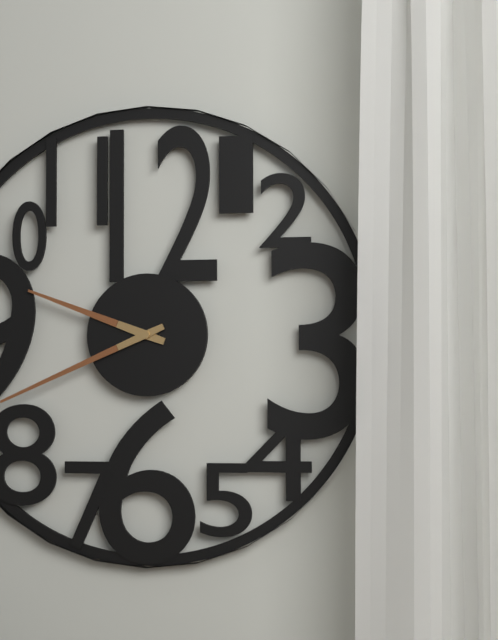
9:41
